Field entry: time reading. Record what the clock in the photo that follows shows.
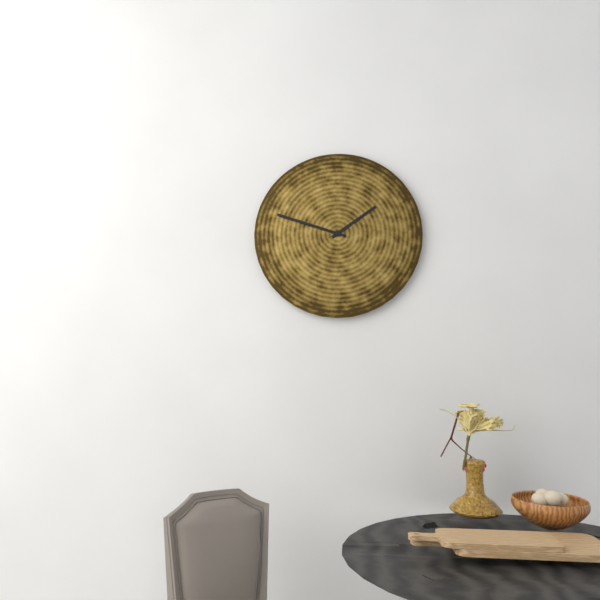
1:48
